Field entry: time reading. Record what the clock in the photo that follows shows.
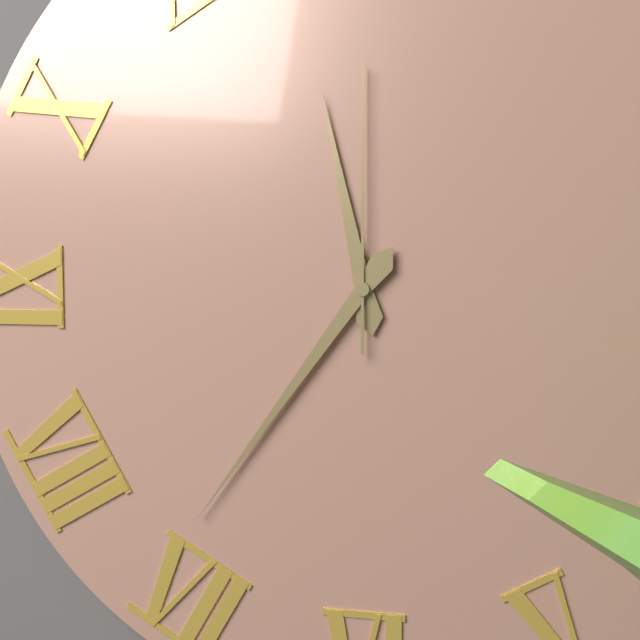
11:36:00
